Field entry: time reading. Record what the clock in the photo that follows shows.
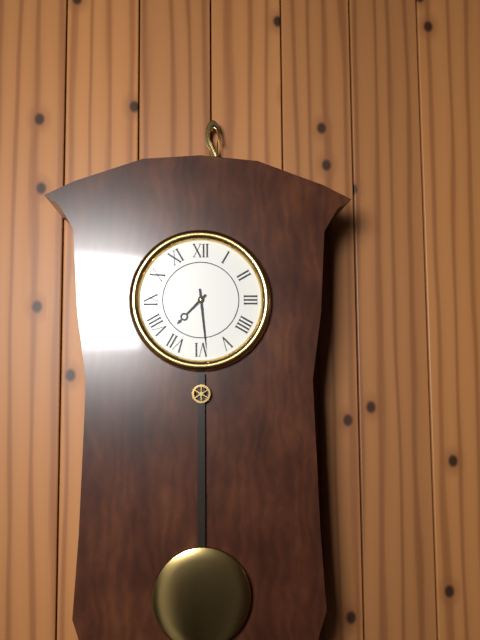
7:29
